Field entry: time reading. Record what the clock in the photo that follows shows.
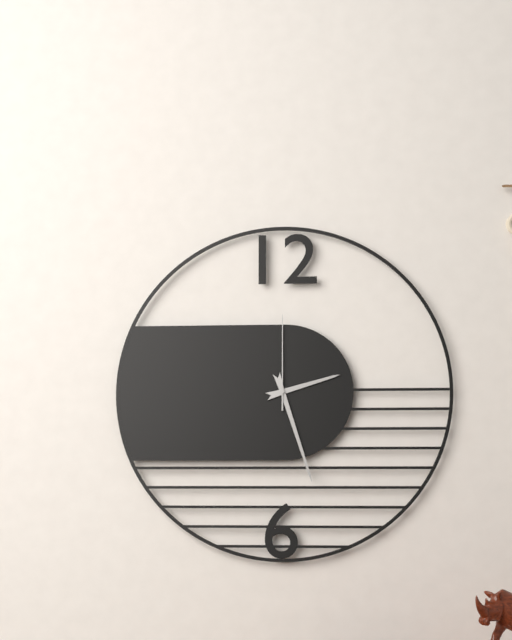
2:27:00
